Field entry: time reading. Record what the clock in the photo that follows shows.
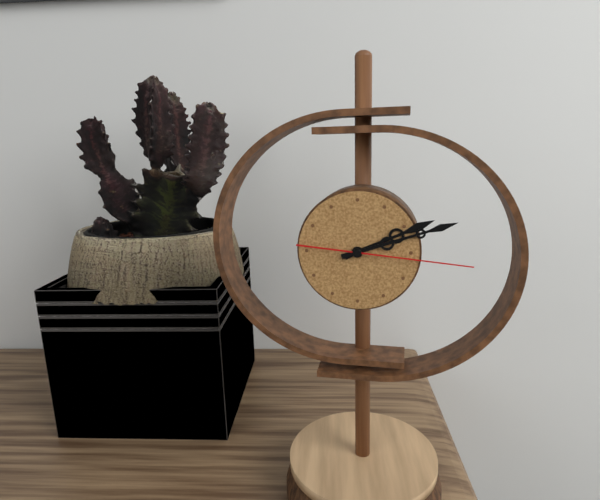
2:12:16
